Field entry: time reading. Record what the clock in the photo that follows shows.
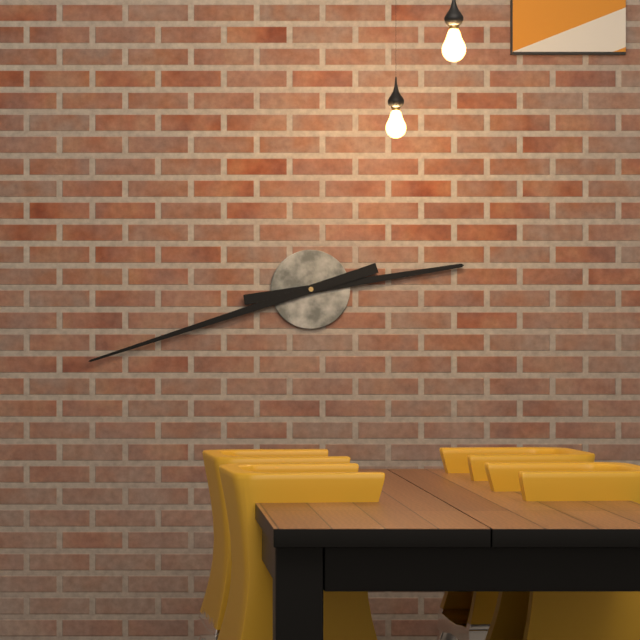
2:42
